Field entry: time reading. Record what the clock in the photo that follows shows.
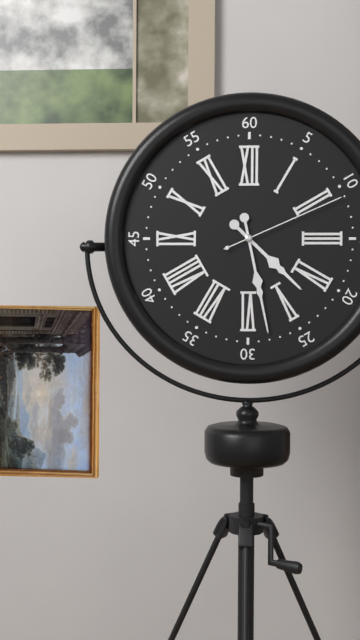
4:28:11
